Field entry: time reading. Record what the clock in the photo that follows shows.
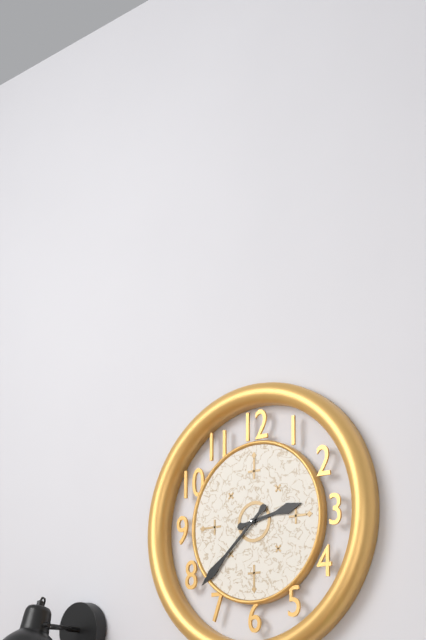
2:38
